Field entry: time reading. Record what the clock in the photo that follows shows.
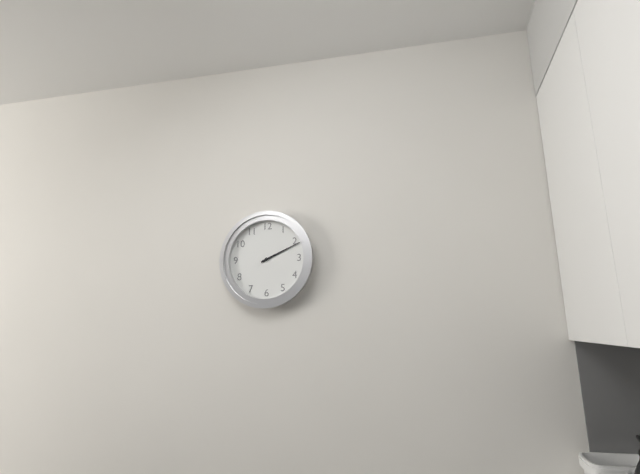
2:11
